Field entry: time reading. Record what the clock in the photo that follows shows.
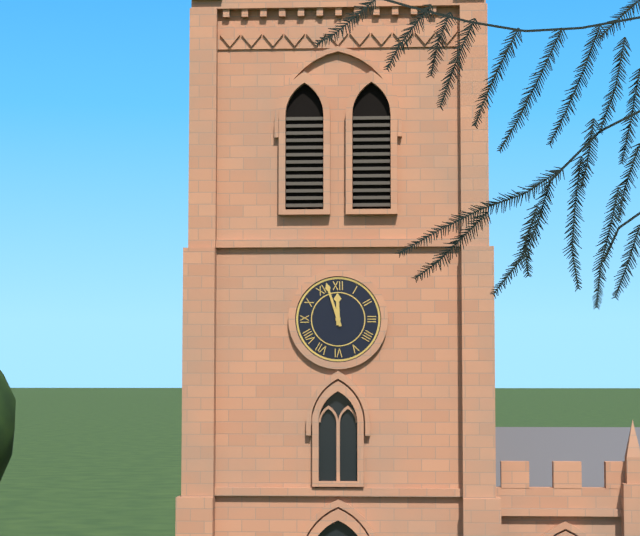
11:57
